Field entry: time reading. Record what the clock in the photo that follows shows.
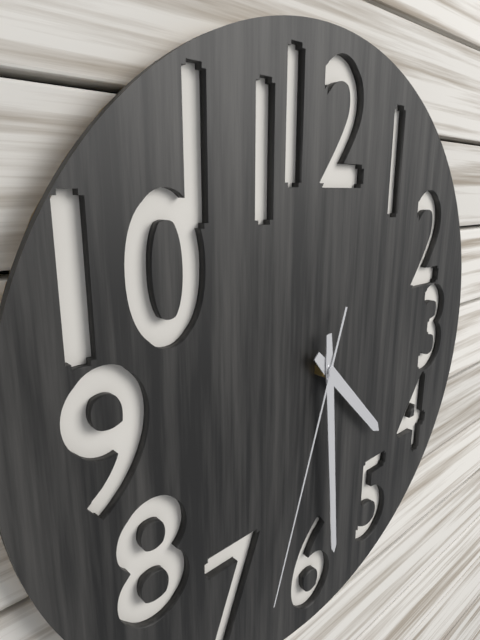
4:29:33
